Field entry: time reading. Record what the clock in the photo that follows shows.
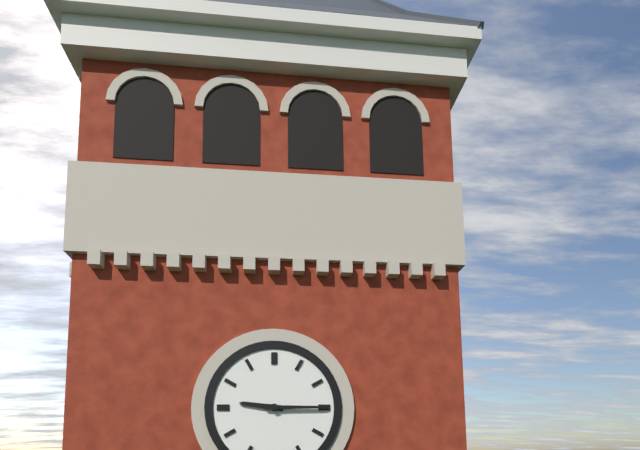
9:15
